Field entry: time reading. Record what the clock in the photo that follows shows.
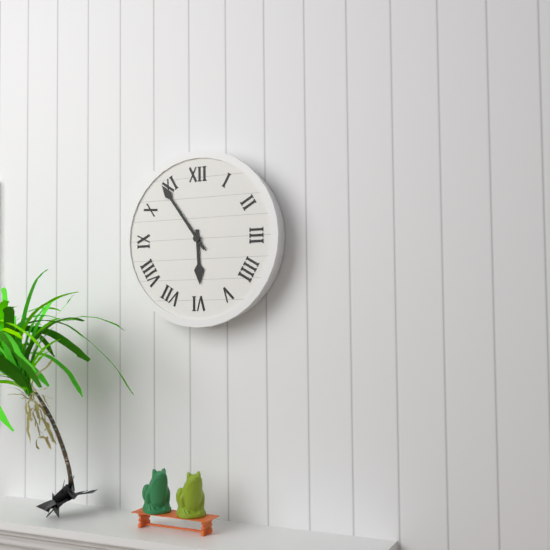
5:54
